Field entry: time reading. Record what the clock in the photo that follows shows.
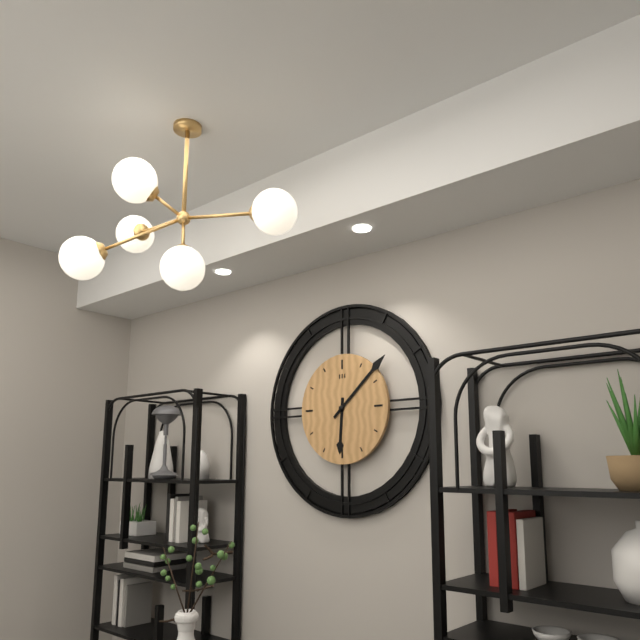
6:08
